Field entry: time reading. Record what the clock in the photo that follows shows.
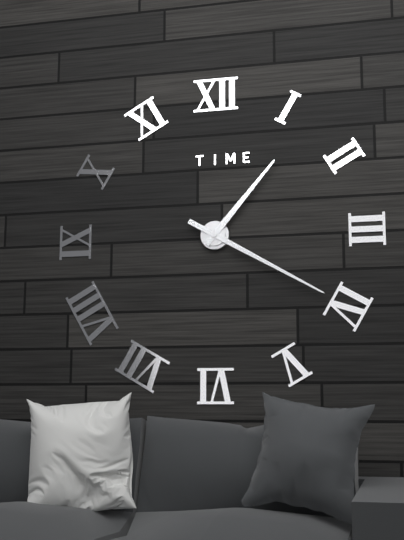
1:20
